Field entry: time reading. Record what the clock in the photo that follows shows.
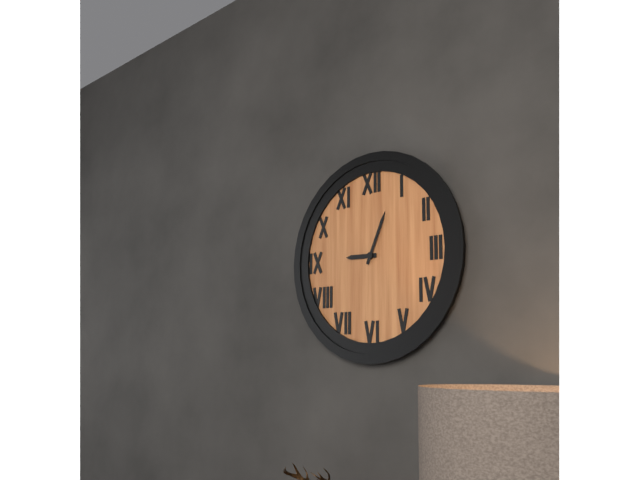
9:04
